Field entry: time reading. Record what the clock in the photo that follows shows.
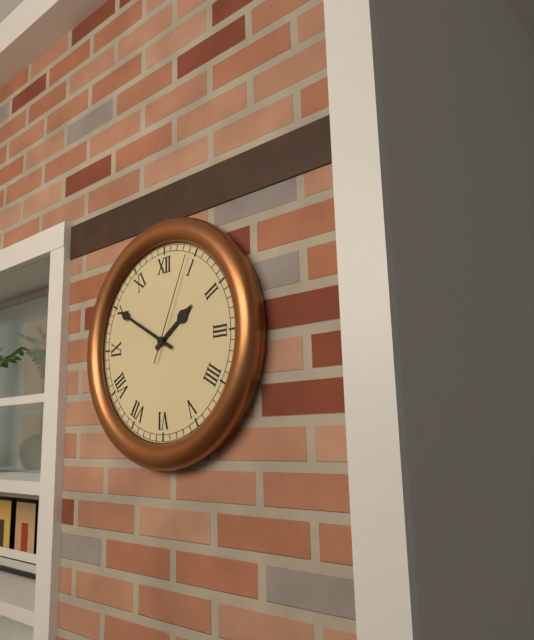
1:50:04
